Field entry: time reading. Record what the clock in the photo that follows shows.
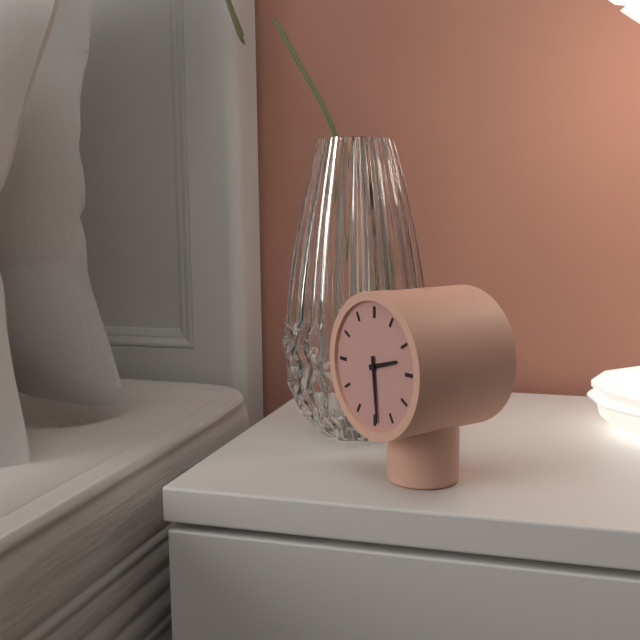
2:29
